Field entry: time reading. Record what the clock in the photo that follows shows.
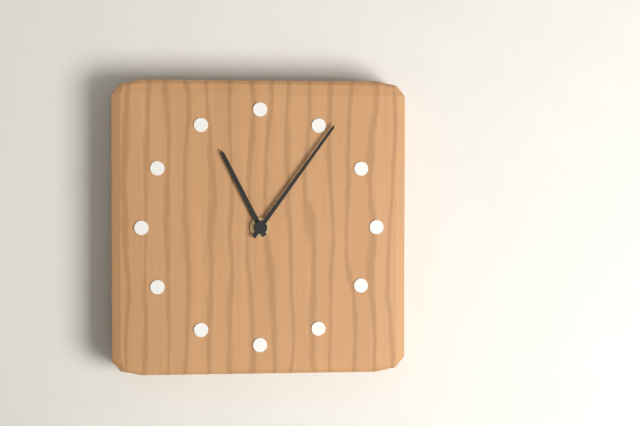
11:06
